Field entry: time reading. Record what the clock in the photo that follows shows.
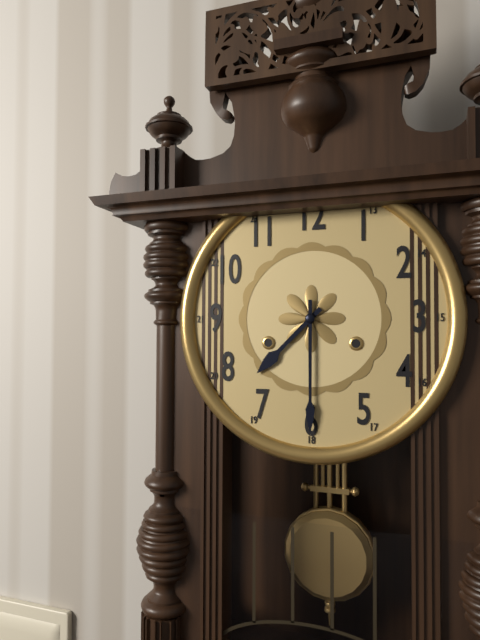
7:30
